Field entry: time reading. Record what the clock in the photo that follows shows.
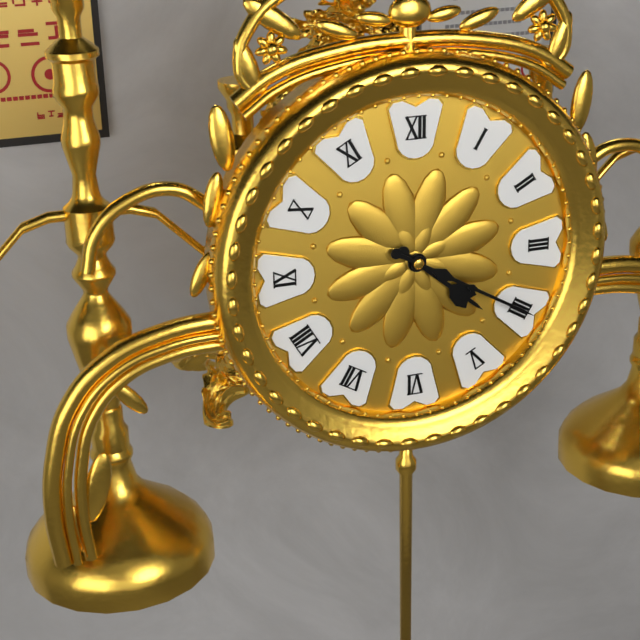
4:20
